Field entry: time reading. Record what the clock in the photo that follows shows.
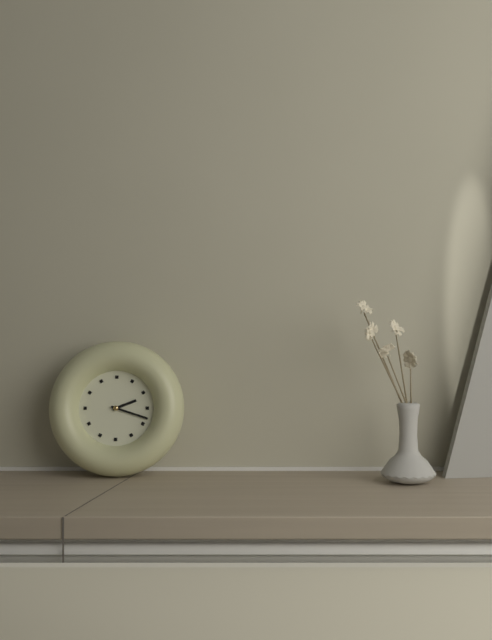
2:18
